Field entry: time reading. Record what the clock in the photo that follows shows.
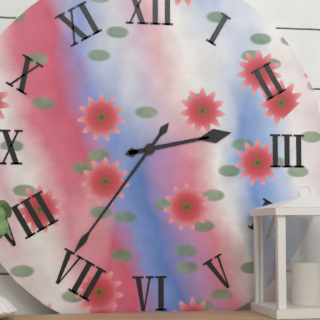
2:36
